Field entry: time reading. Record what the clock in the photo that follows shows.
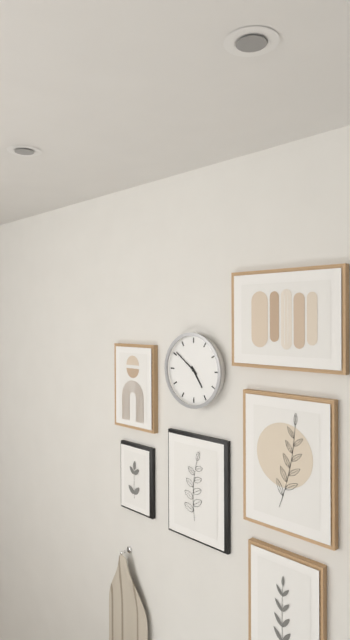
4:51
